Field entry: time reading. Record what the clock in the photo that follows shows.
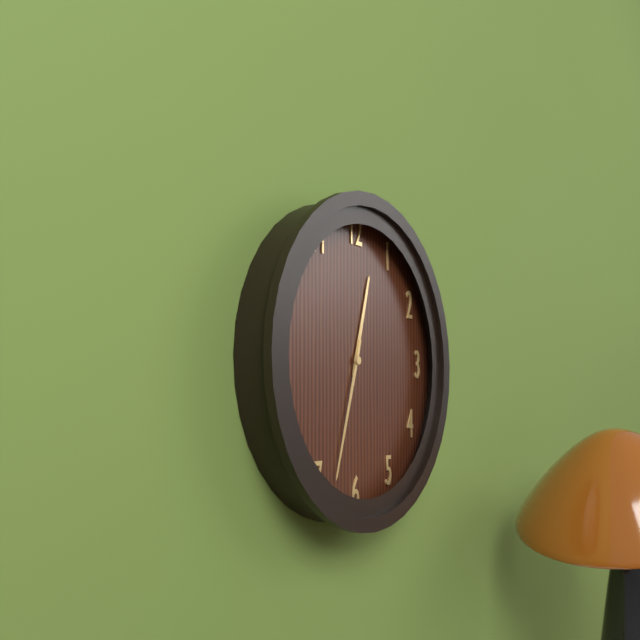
12:33
